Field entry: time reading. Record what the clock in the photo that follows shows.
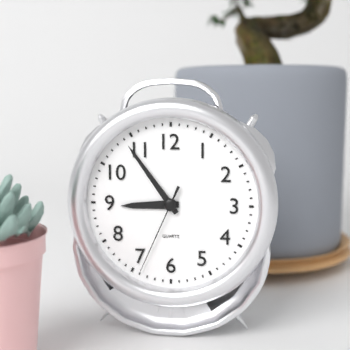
8:54:34
